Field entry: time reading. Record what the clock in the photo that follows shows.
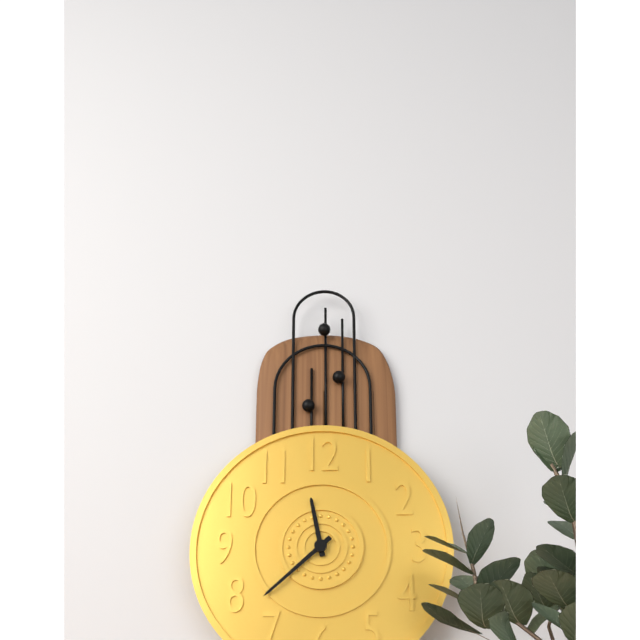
11:38
